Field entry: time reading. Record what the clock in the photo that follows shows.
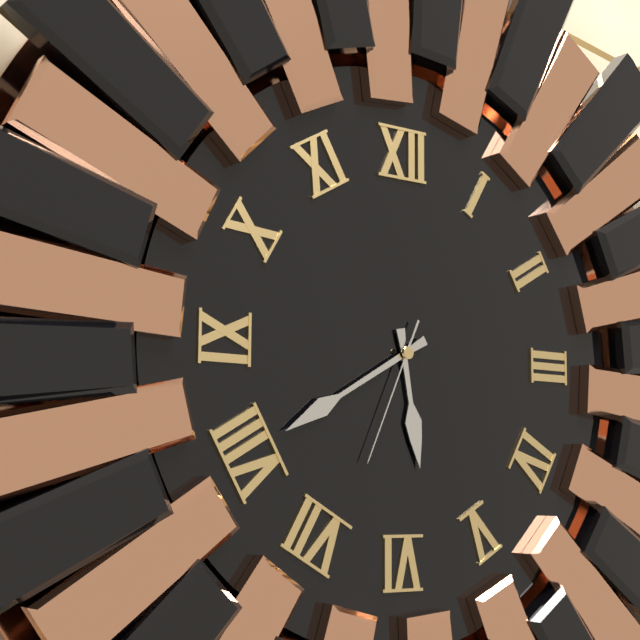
5:40:34
